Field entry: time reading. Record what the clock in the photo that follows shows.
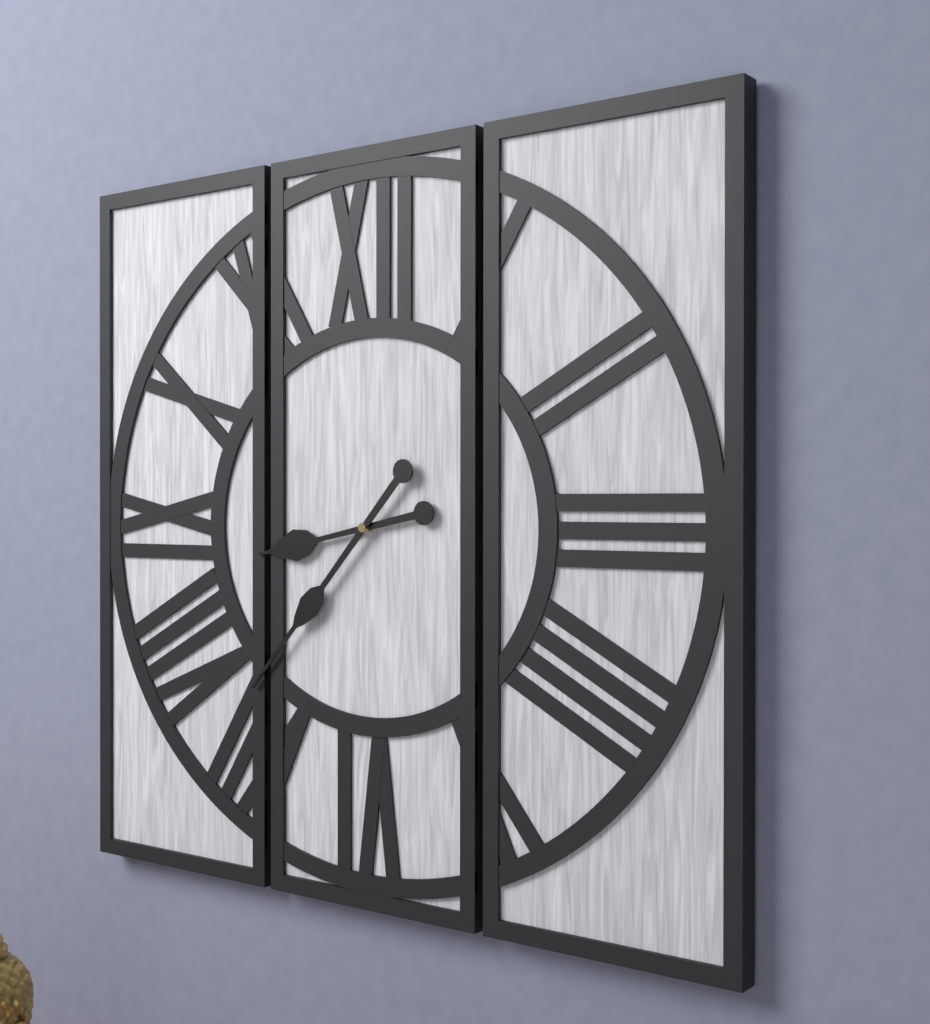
8:37
